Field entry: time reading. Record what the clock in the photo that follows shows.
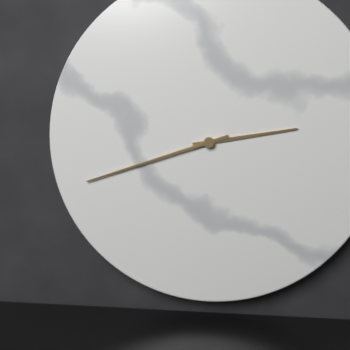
2:42
